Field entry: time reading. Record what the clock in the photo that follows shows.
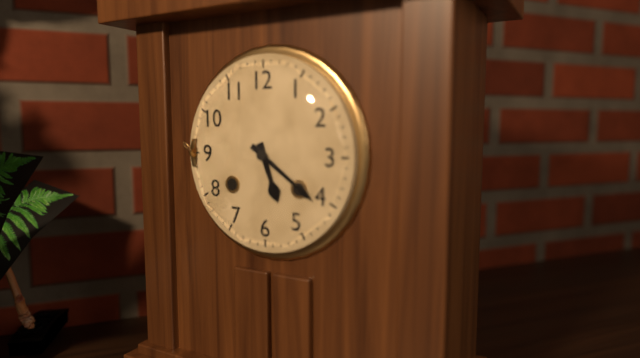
5:21
